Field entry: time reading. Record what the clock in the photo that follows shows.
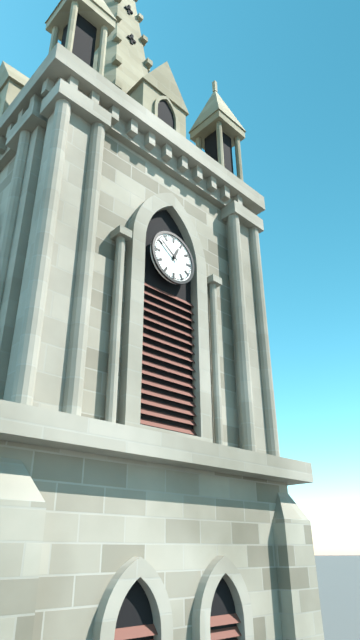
12:51
